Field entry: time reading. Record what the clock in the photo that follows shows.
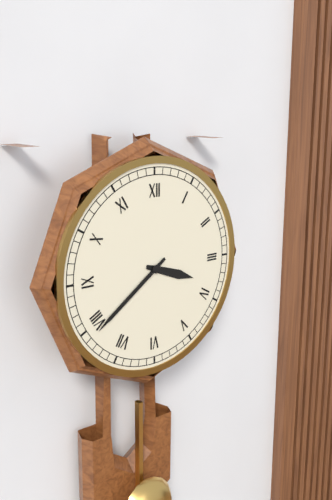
3:39
